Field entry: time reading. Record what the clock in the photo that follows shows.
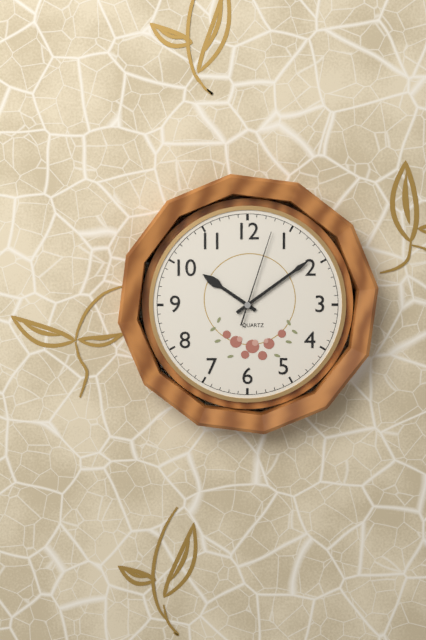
10:09:03
